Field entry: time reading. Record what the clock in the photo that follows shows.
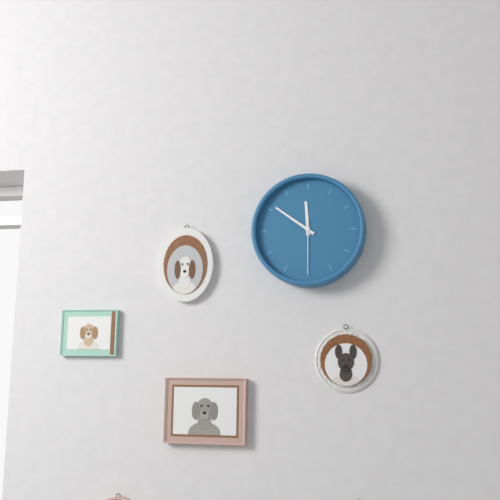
11:51:30
